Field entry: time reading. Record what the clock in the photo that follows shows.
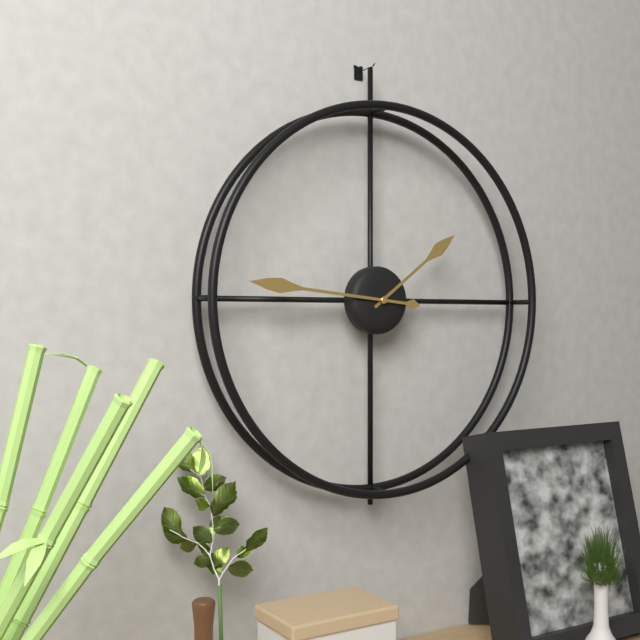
1:46
